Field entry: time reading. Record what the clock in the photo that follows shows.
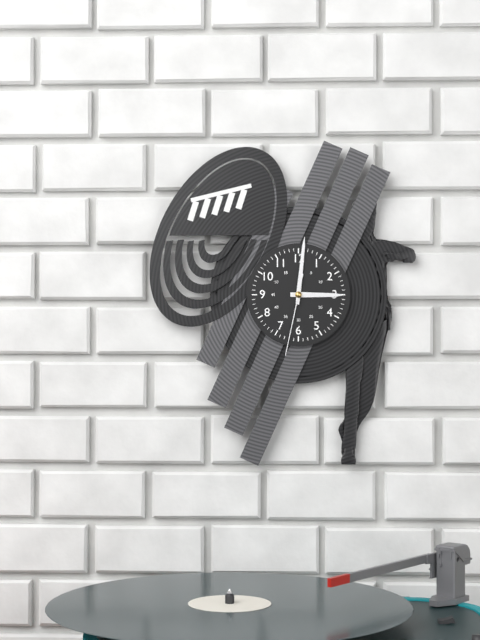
3:01:32
